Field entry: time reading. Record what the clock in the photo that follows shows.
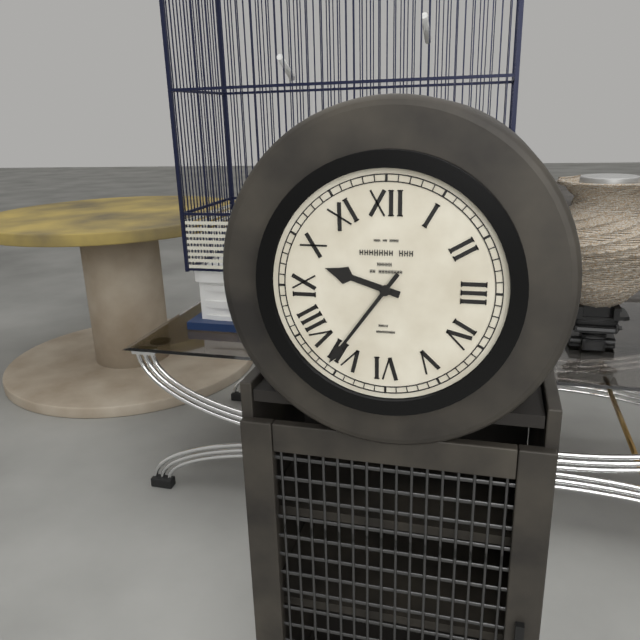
9:36
